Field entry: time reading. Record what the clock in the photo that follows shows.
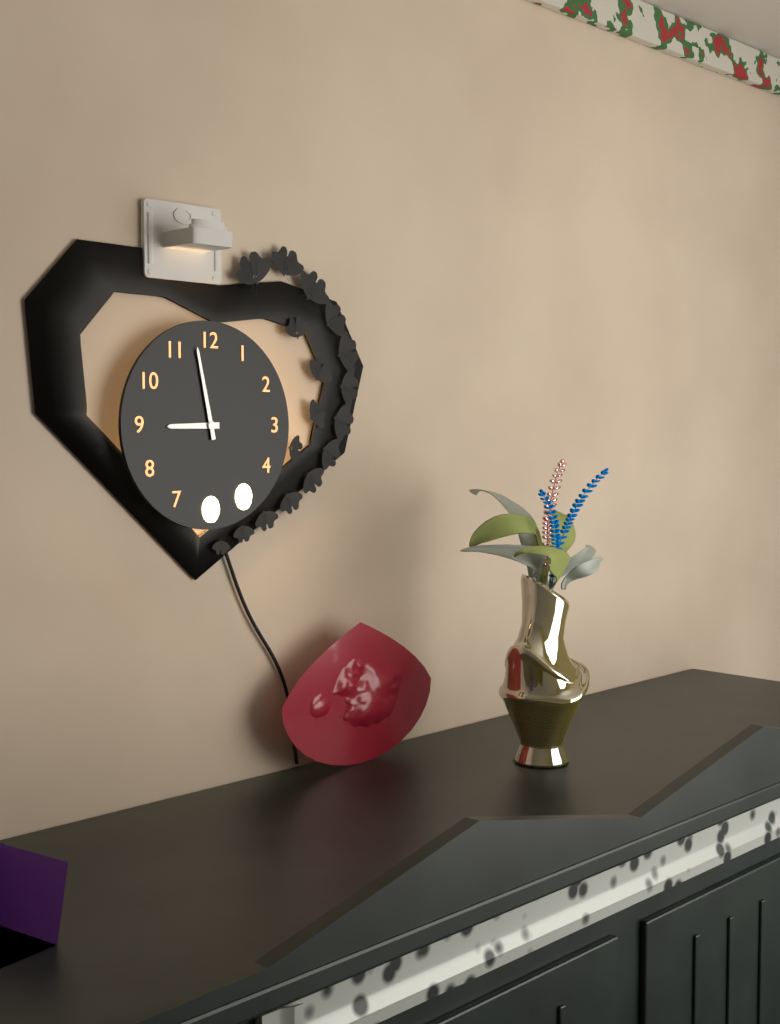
8:58
